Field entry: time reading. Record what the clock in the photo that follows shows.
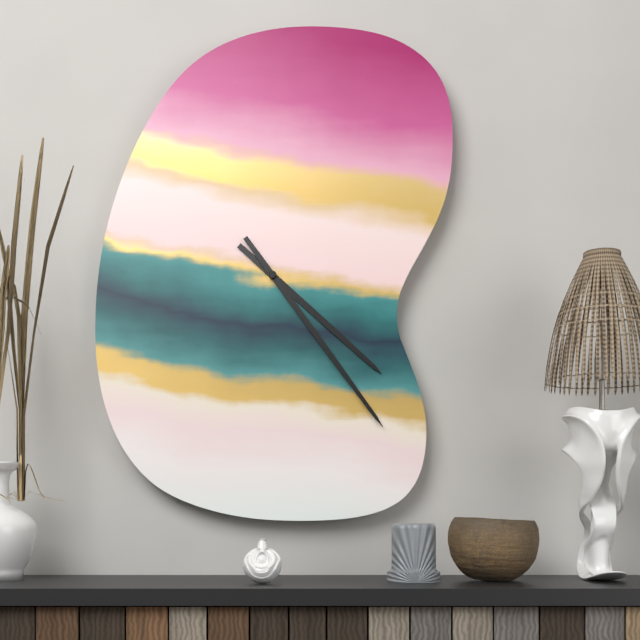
4:24
